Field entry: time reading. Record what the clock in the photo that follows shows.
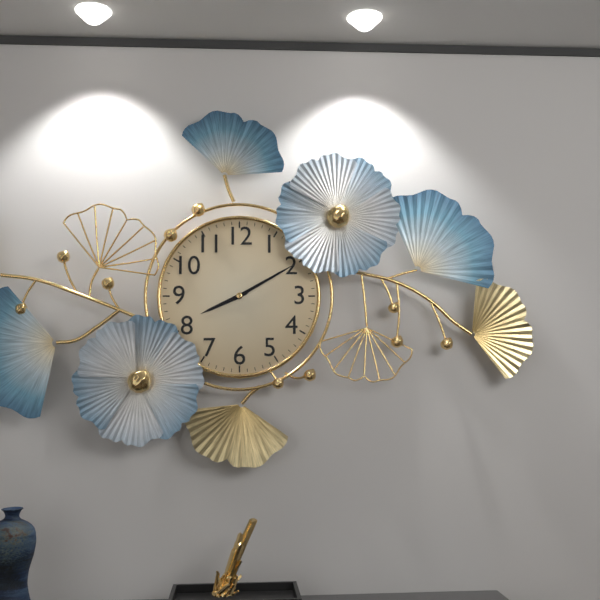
8:10
